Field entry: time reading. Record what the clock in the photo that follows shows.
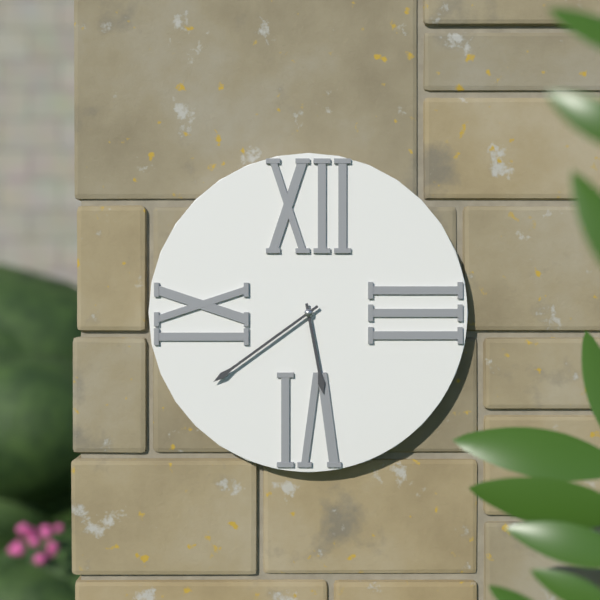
5:39
